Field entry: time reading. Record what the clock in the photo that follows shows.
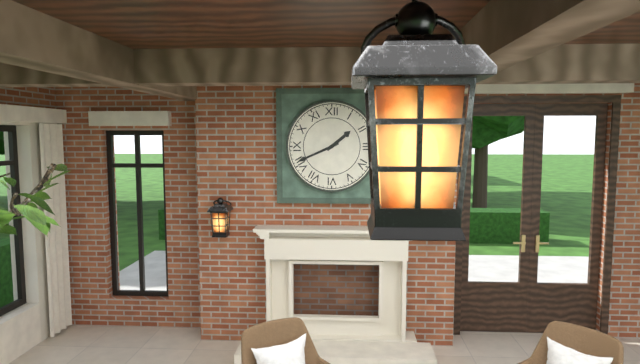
1:41
